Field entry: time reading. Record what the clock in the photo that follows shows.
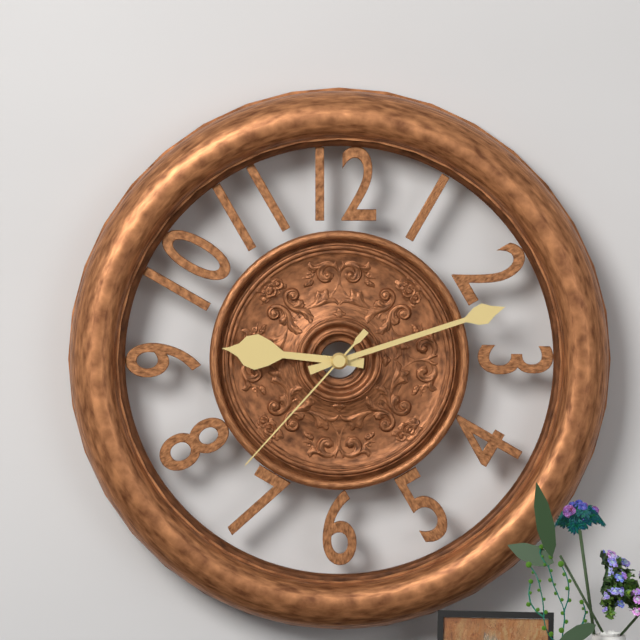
9:12:37
